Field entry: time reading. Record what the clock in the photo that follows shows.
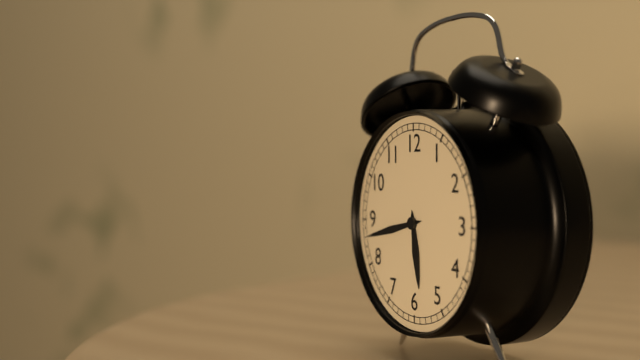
5:43
